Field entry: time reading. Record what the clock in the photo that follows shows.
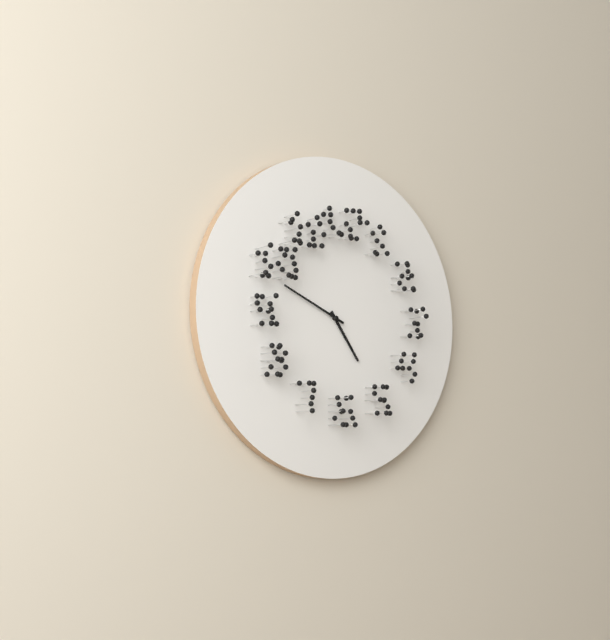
4:49
